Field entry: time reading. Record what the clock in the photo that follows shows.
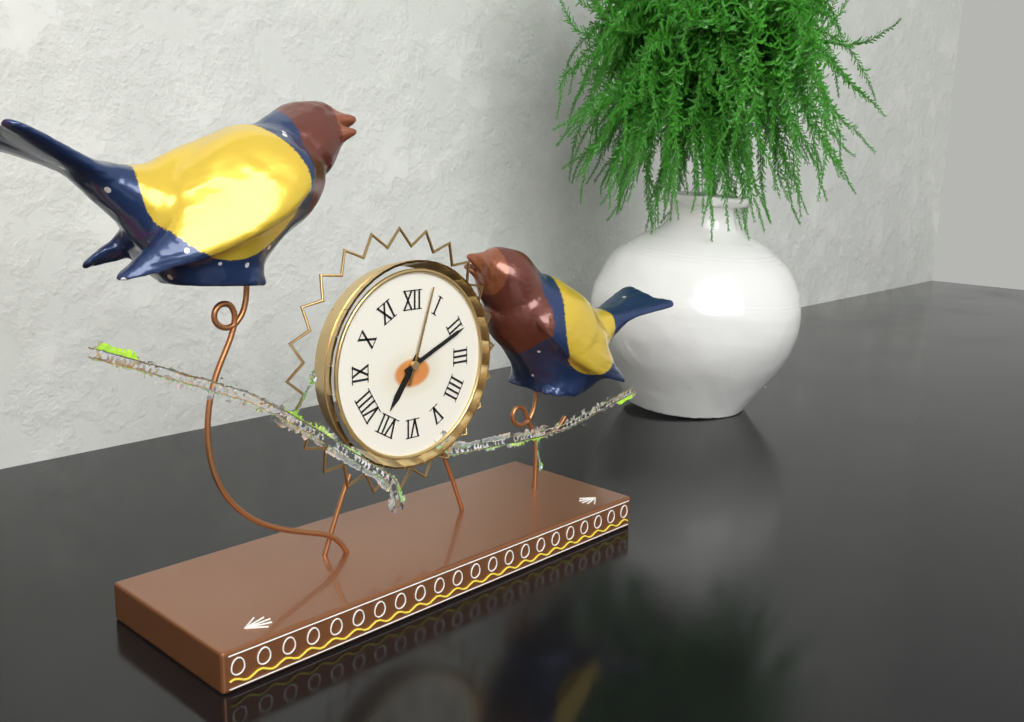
7:11:03
